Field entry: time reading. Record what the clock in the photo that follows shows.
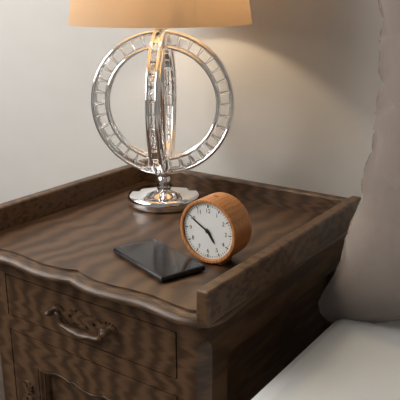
4:50
